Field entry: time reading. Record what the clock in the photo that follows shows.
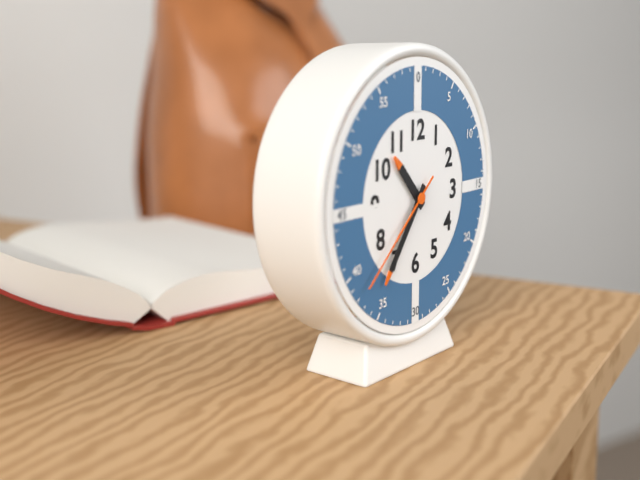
10:36:38
